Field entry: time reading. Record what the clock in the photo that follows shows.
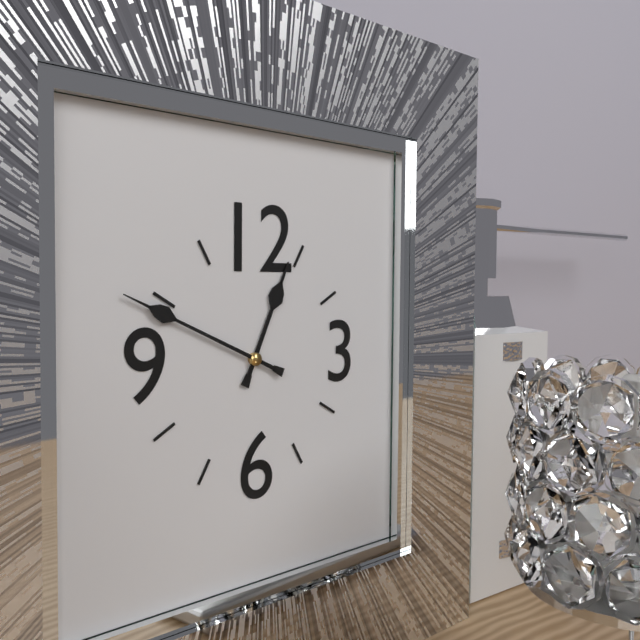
12:49
